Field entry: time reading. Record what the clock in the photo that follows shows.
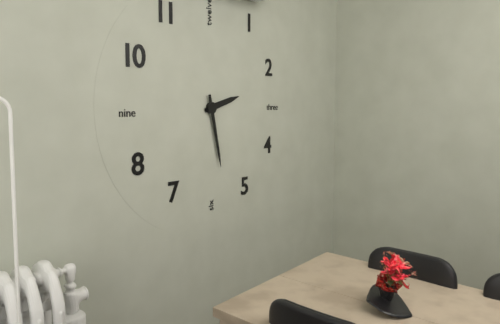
2:28
